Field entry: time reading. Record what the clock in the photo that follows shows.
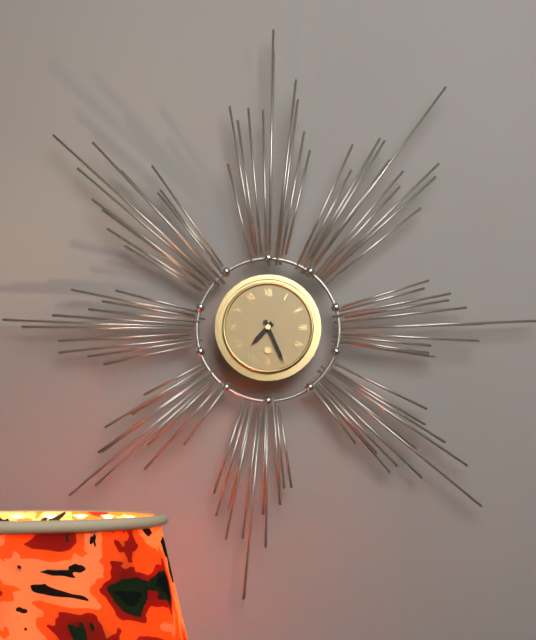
7:26
